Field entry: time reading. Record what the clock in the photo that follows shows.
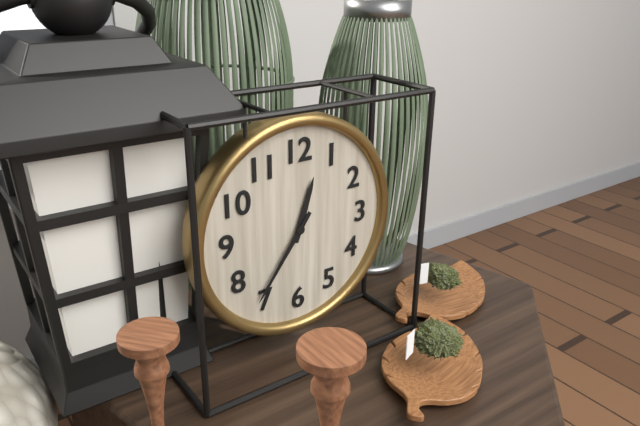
12:36
